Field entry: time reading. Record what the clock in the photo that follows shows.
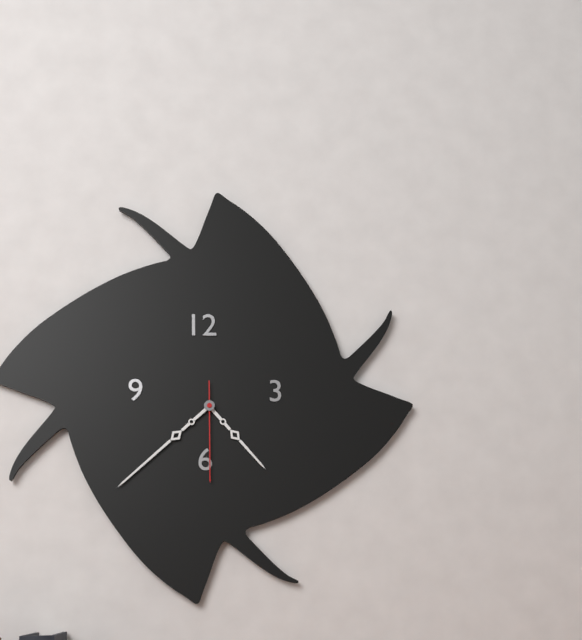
4:38:30
